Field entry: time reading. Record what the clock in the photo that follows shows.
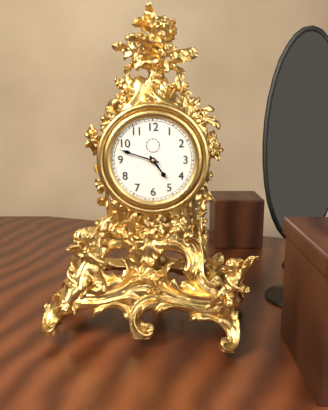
4:48
